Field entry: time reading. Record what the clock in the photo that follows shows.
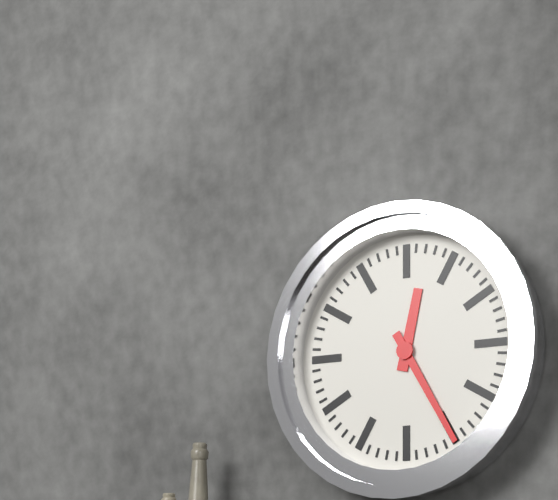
12:25
